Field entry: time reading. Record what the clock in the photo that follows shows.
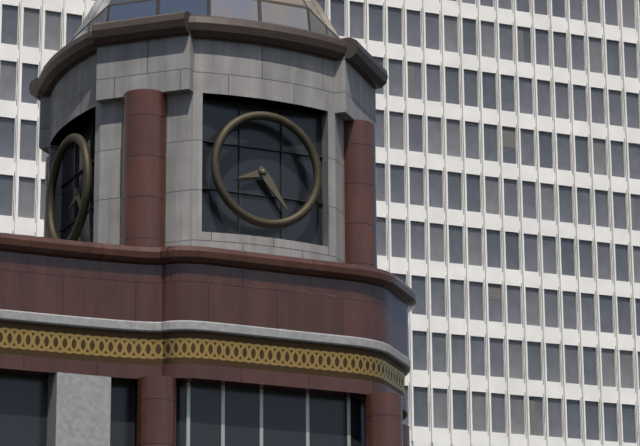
8:24
